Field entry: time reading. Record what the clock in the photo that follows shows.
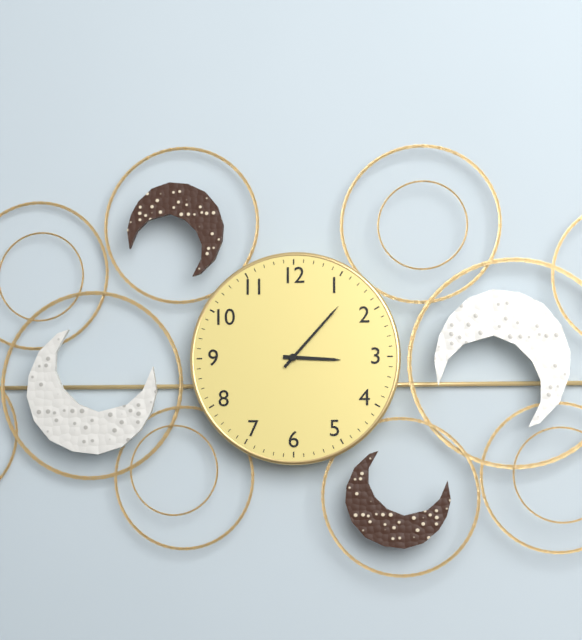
3:07
